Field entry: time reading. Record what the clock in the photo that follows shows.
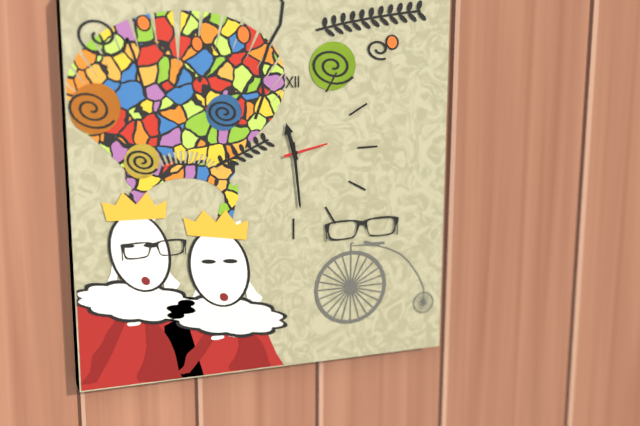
11:29
